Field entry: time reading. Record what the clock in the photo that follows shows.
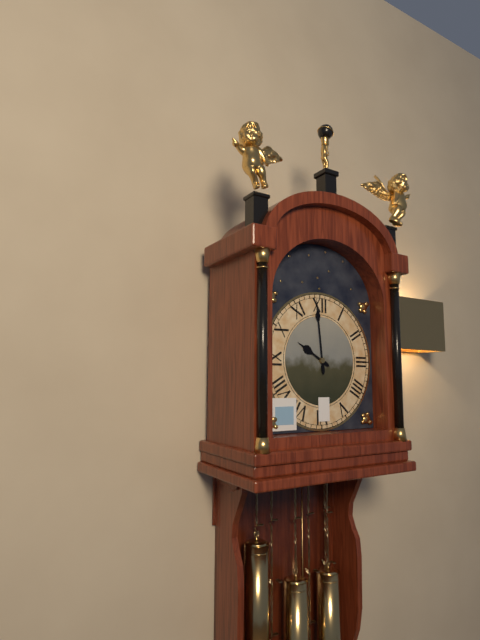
9:59
